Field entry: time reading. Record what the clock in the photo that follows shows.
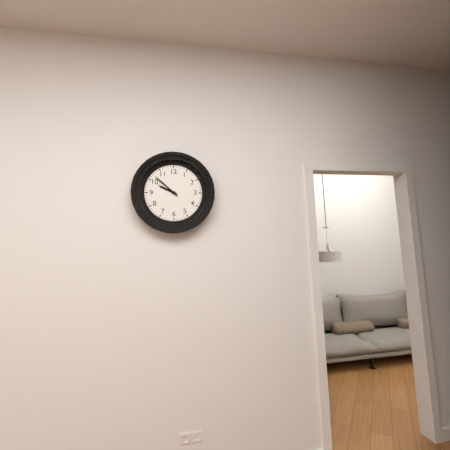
9:52
